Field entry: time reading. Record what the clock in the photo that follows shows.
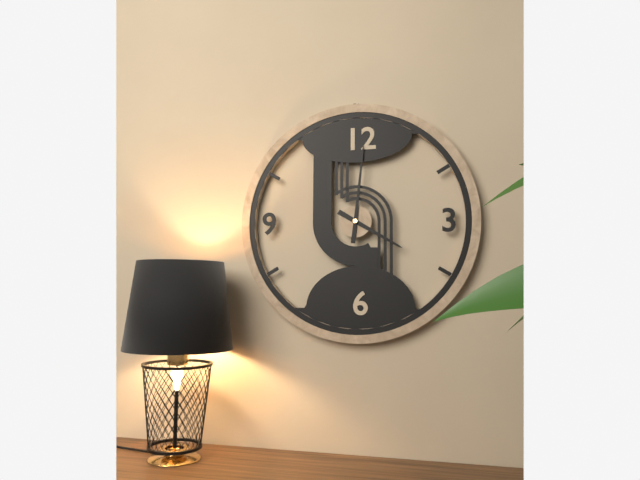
4:01
